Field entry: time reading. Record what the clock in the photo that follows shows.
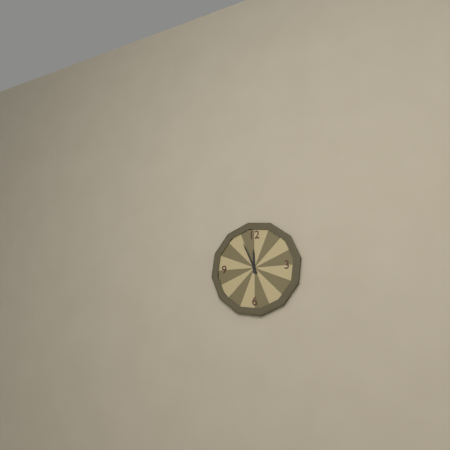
11:56
